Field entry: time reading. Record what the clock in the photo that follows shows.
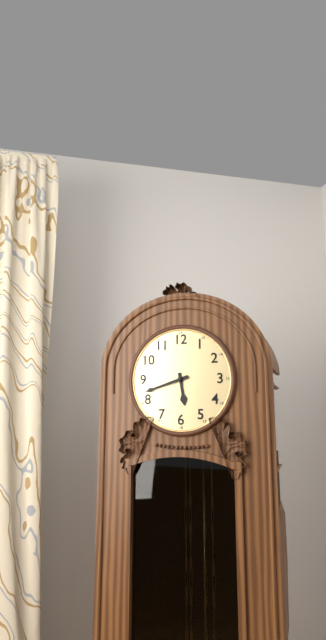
5:42
